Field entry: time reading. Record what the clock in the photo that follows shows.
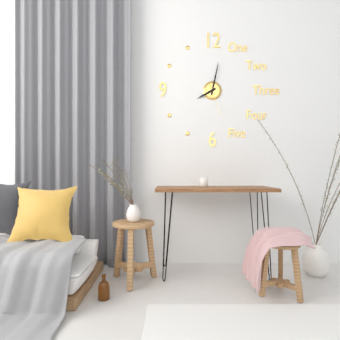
8:02
